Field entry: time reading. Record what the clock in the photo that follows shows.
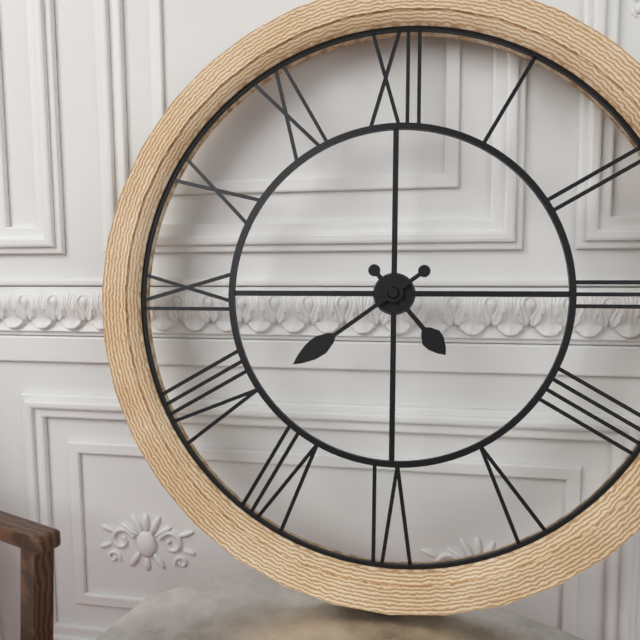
4:39
